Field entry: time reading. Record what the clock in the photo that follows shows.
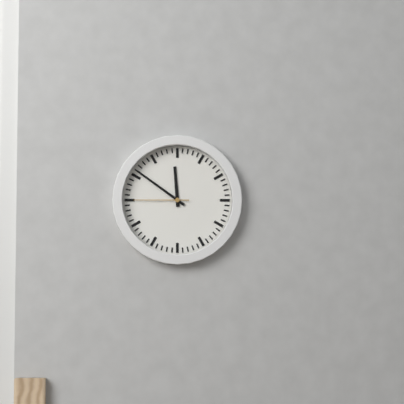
11:51:45
